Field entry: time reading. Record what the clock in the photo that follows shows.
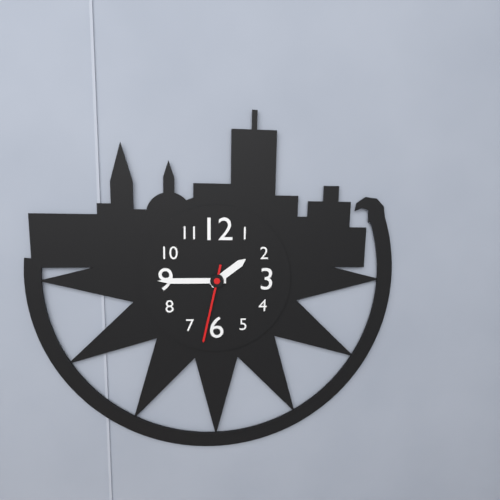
1:45:32
